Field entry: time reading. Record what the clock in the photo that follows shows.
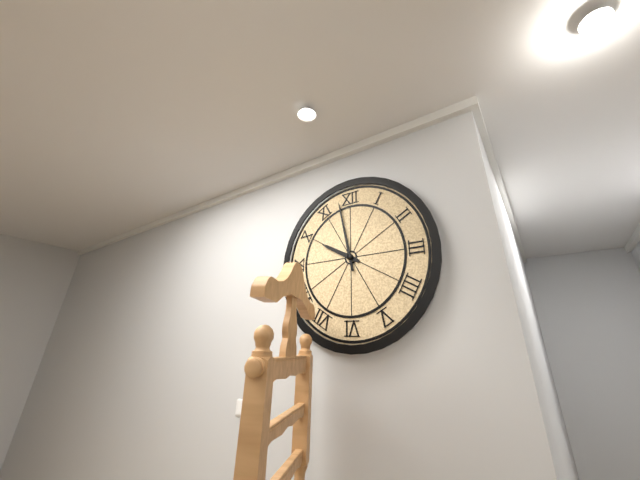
9:58
